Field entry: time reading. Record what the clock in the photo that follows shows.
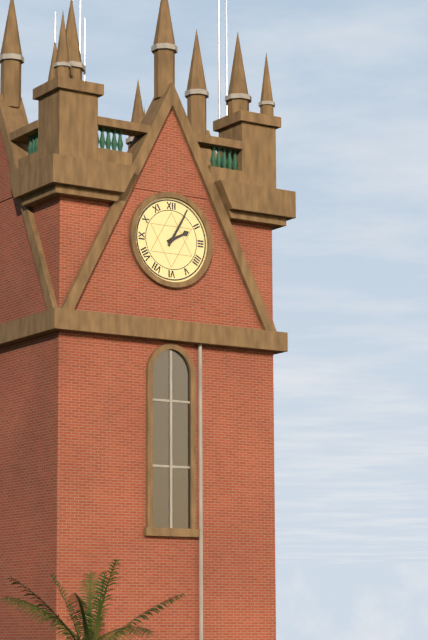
2:05
